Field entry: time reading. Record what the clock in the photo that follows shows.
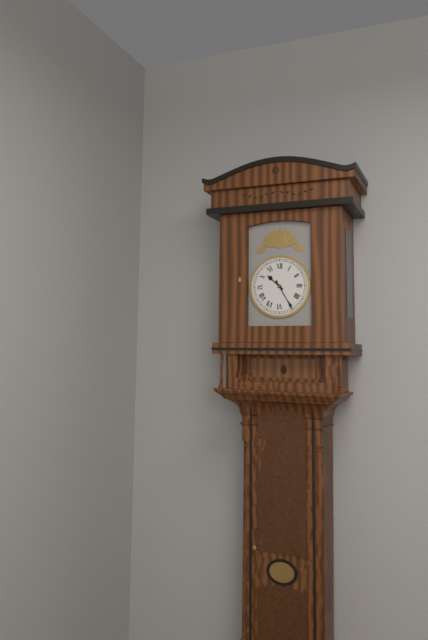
10:25
